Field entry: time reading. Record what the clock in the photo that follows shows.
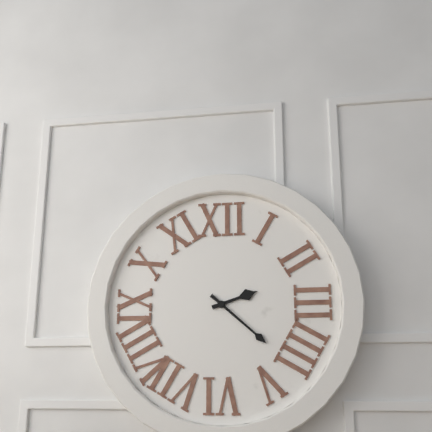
2:22
